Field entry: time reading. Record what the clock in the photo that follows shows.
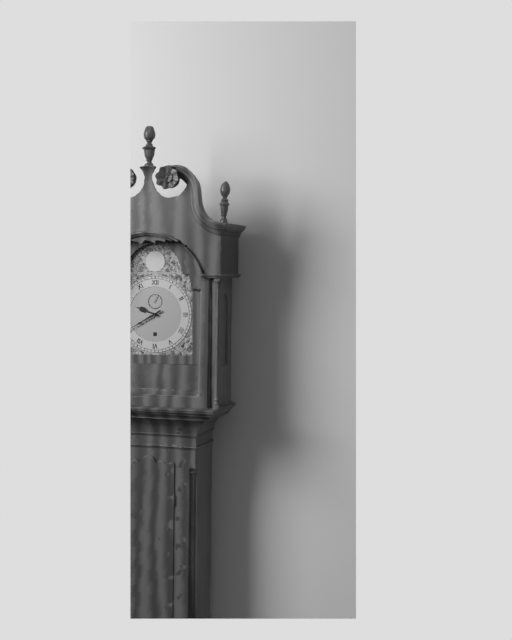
9:40
